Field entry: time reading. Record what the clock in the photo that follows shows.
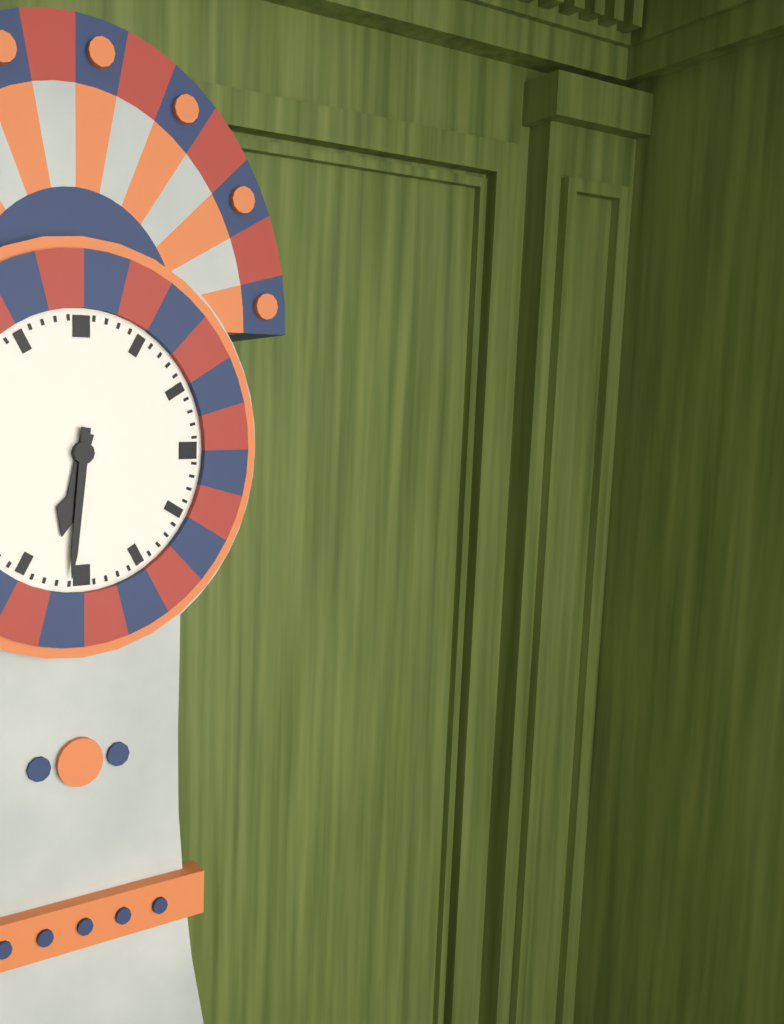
6:31
